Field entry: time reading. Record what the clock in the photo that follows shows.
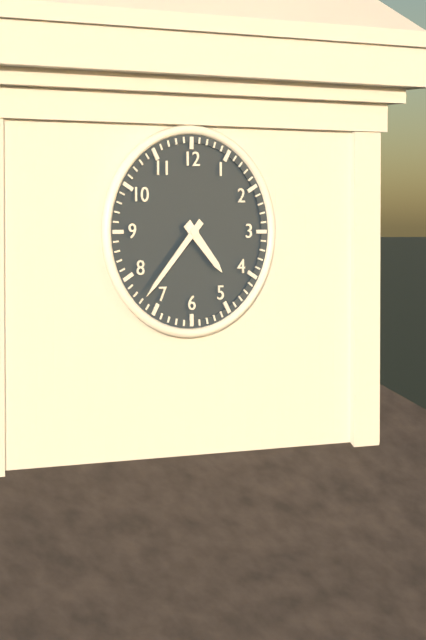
4:37
